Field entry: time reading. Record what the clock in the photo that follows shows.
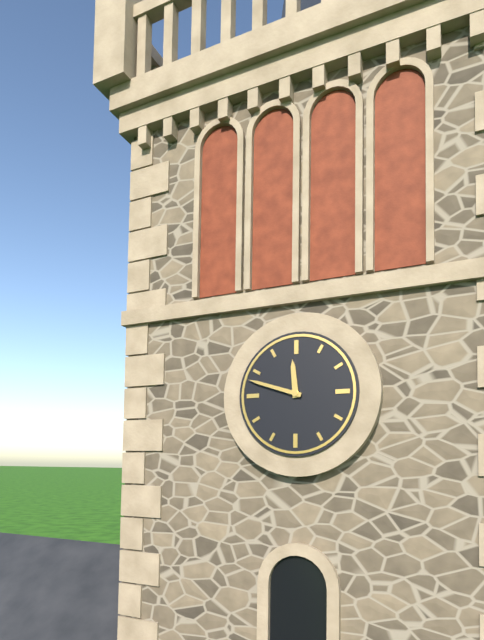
11:48
